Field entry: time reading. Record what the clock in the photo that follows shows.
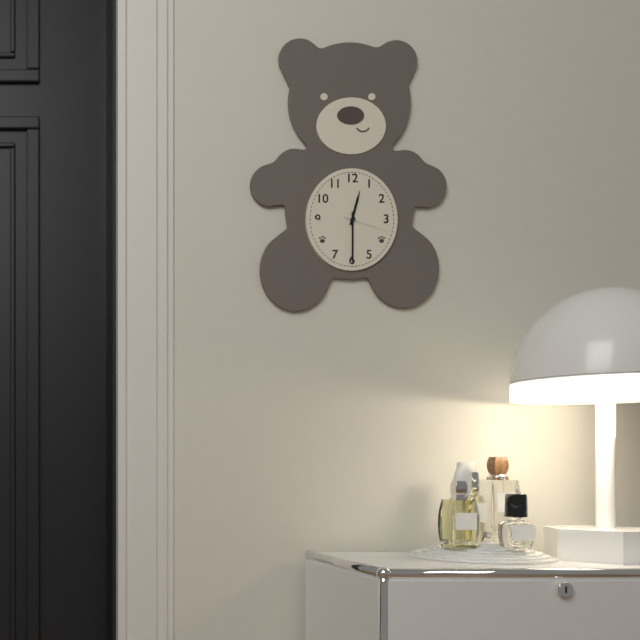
12:30
